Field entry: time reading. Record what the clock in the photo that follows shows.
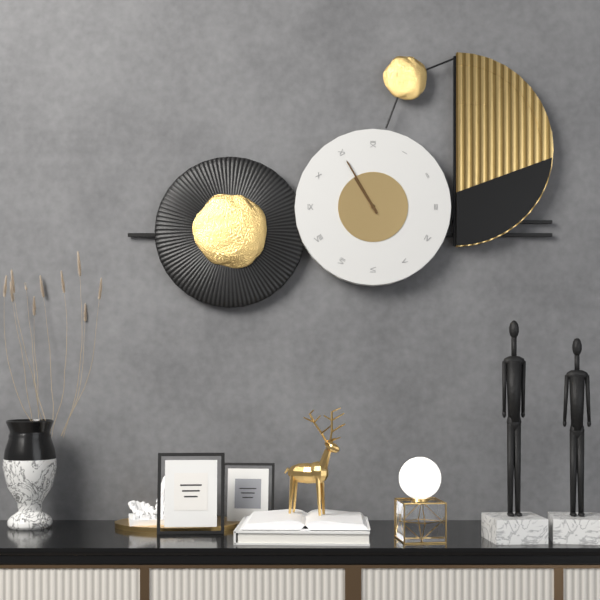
10:55
